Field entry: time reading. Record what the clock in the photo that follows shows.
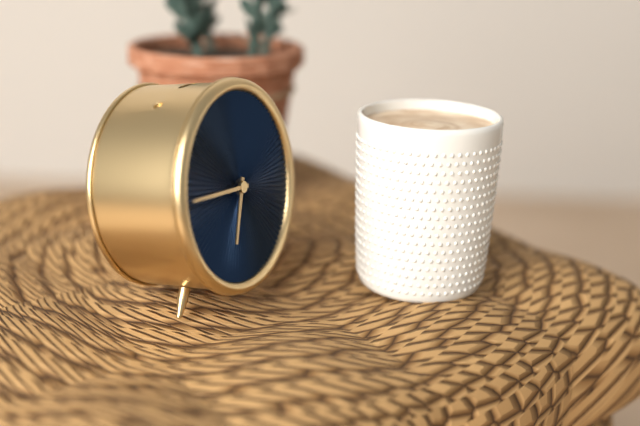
6:46
